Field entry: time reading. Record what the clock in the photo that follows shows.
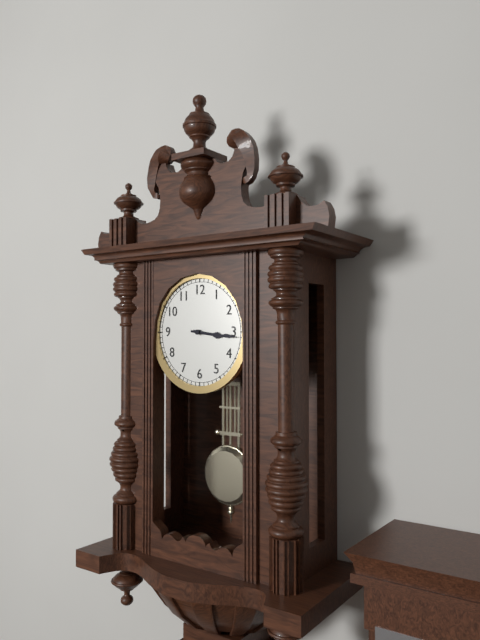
3:16
